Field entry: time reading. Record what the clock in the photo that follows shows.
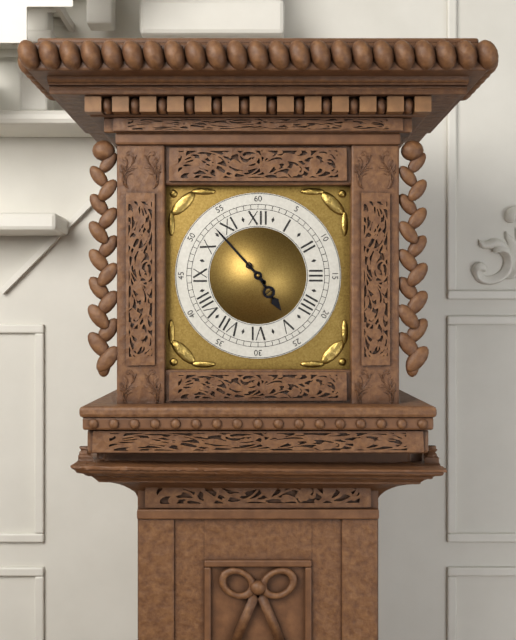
4:53
